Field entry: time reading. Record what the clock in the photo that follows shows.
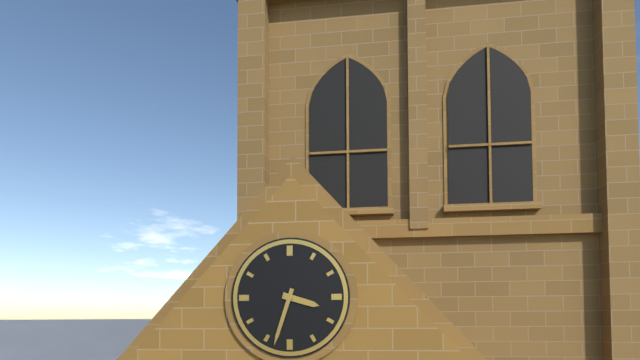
3:33
